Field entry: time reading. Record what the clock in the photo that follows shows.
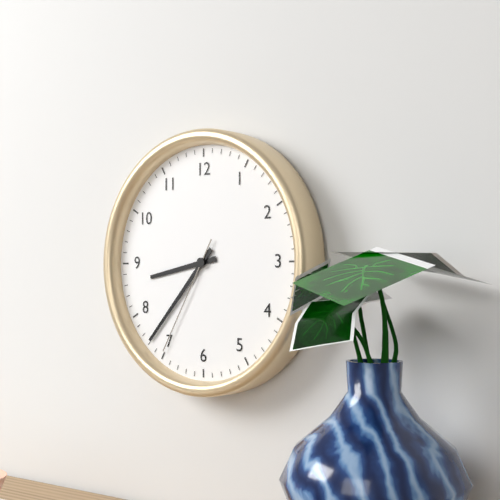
8:37:35
